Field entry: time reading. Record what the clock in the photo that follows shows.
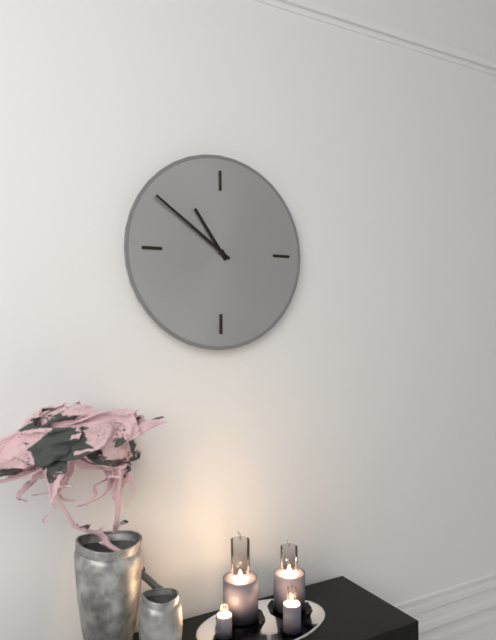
10:51
